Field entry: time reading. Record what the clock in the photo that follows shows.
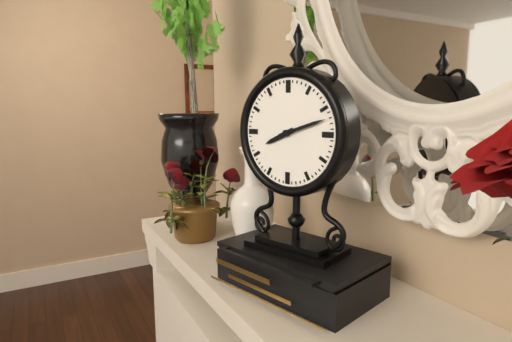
8:12
